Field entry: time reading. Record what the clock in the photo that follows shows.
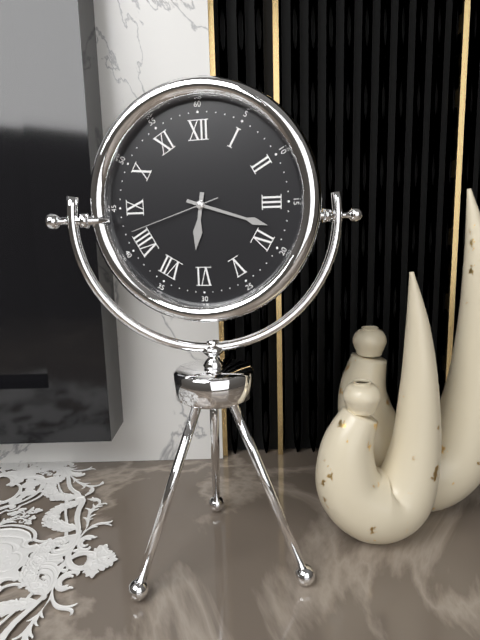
6:18:42
